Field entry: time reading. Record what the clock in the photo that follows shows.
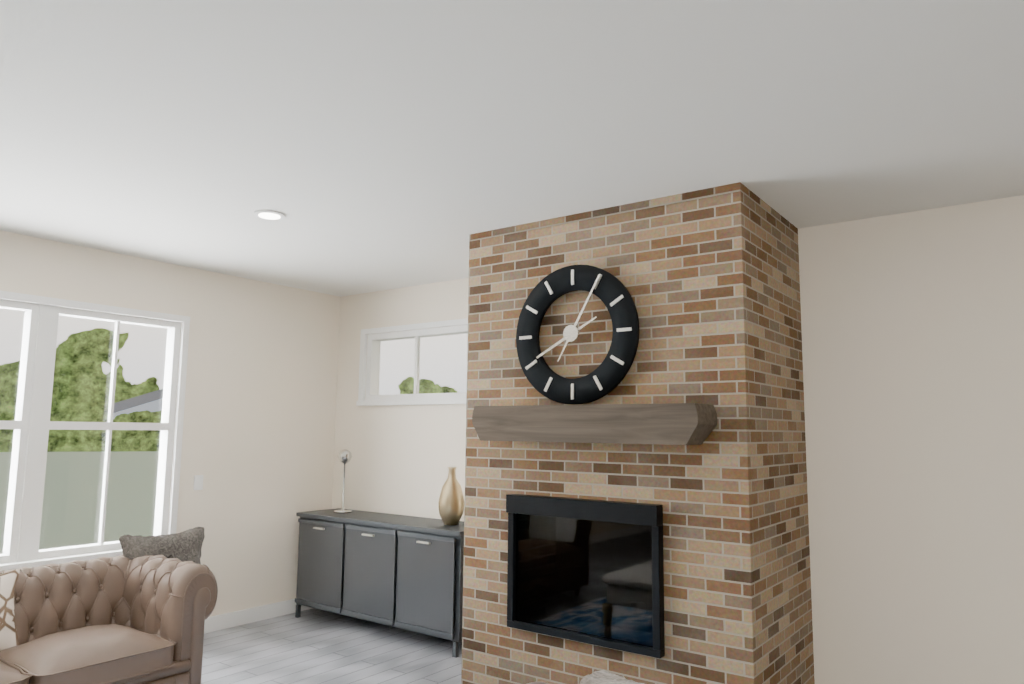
8:05
